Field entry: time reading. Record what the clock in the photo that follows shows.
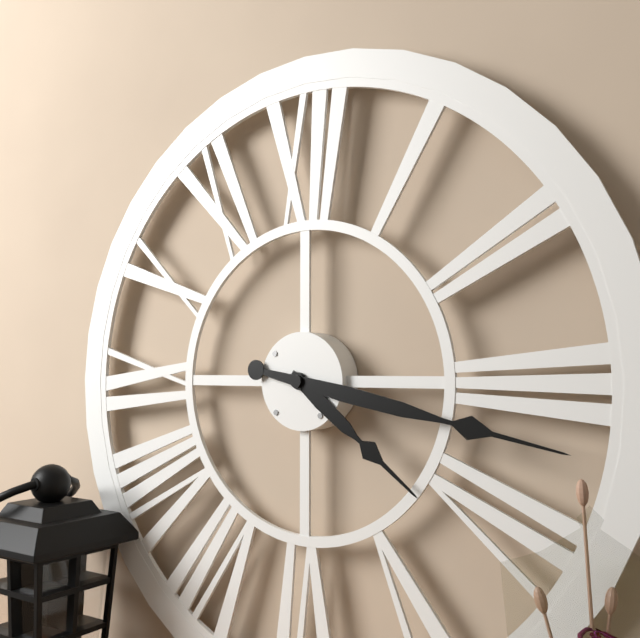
4:17
